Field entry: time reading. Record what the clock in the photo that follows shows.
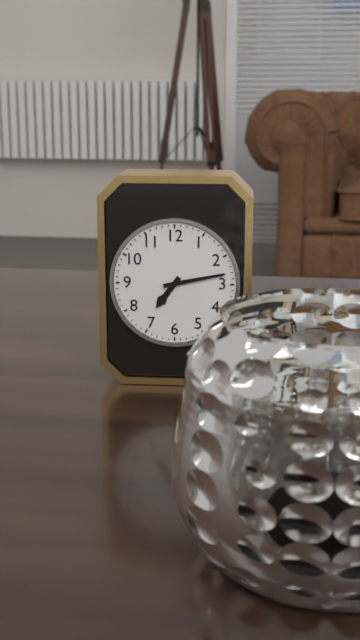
7:13
